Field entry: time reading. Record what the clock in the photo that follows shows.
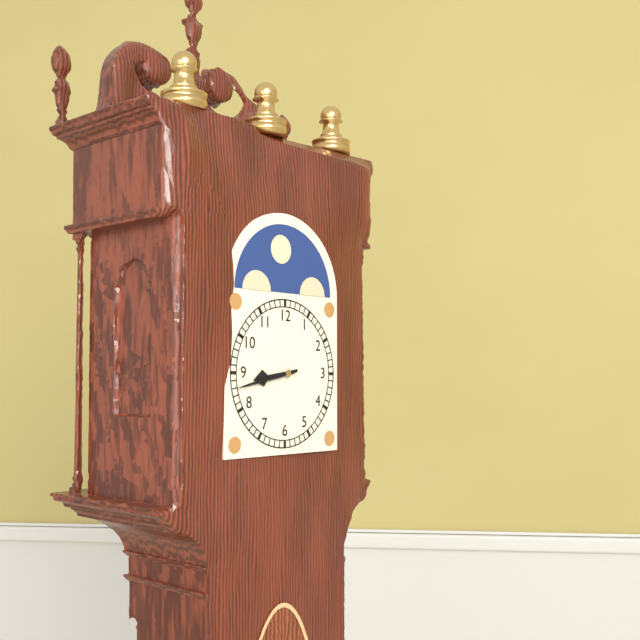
8:43
